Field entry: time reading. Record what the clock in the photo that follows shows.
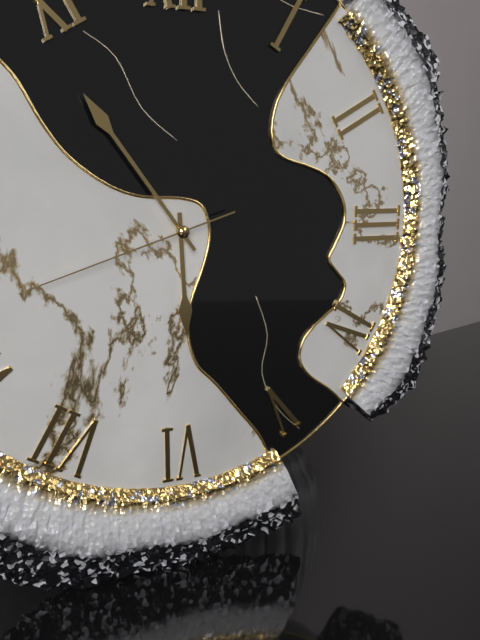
5:54:42
